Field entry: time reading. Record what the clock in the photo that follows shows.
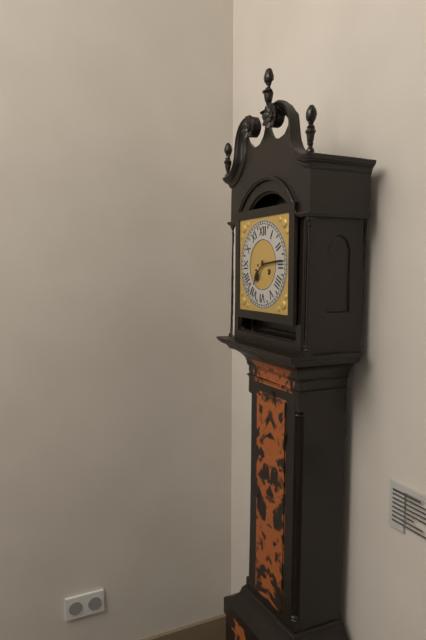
7:14
